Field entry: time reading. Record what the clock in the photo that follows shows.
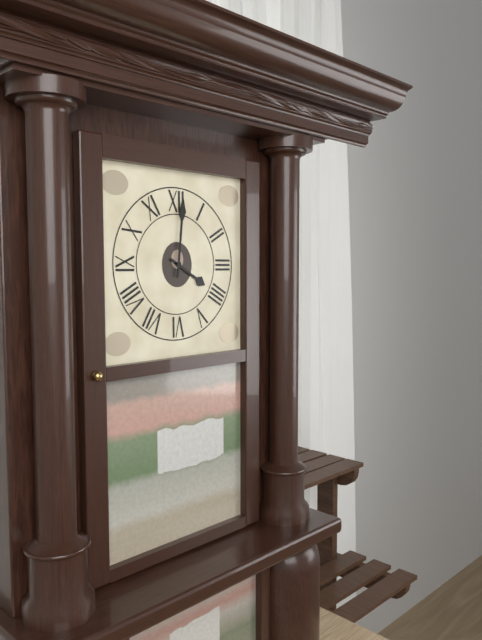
4:01
